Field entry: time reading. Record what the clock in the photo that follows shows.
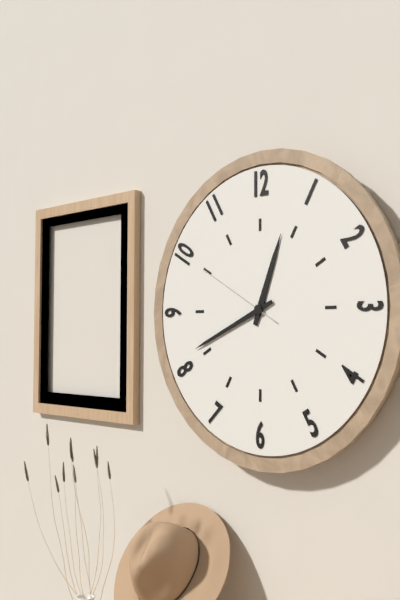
12:41:50
